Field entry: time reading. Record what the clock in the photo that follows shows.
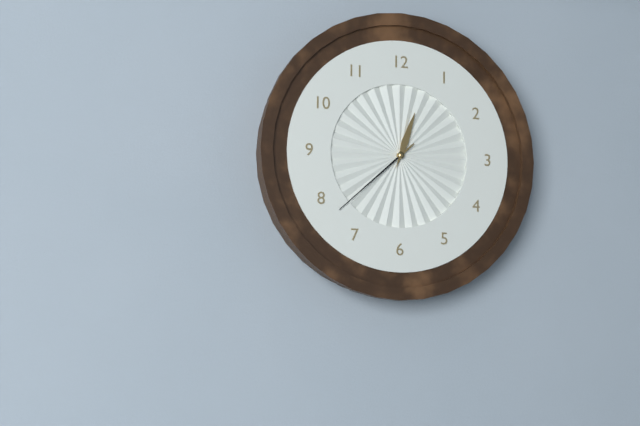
12:38
